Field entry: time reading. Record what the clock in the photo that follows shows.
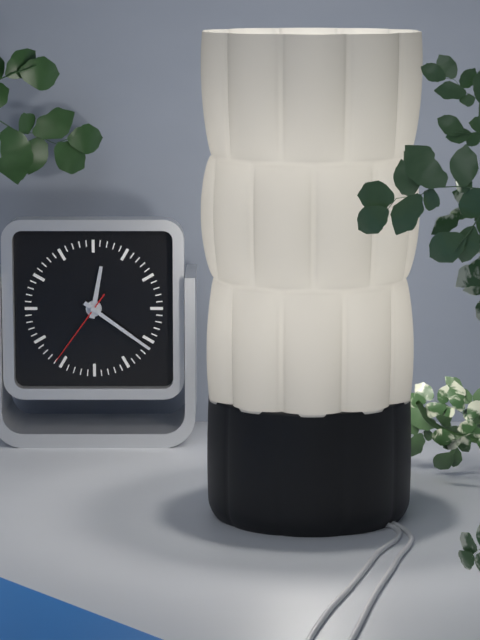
12:21:36
